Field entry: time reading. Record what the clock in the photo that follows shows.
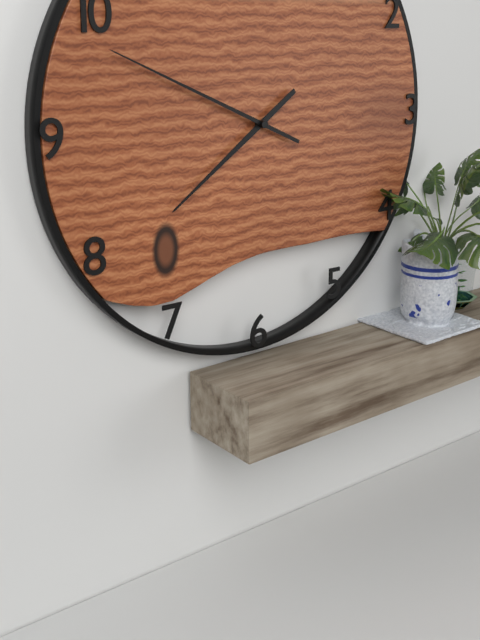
7:49
